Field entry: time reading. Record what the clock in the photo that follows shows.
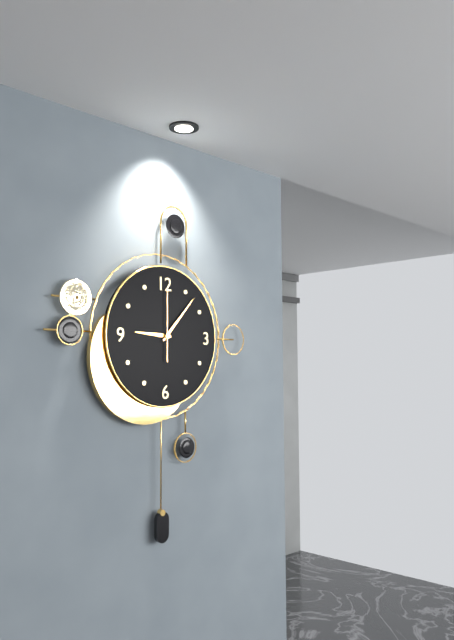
9:07:00
